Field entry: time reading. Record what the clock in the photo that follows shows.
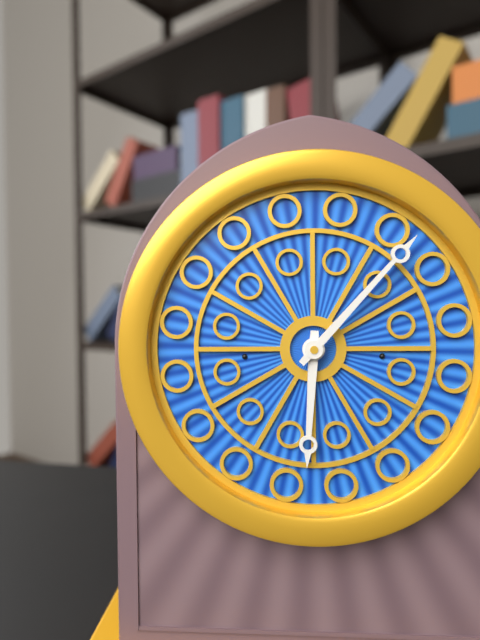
6:07
